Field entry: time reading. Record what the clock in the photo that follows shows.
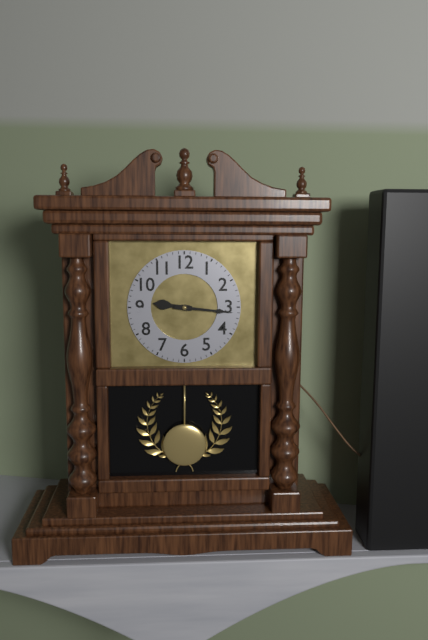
9:16
